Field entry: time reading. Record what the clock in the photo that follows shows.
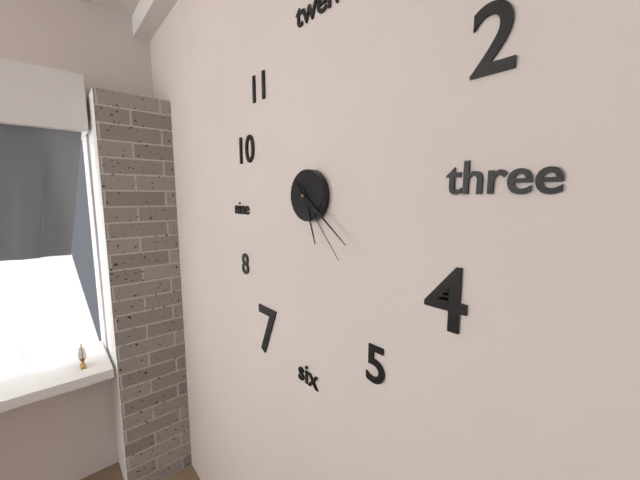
5:21:23
